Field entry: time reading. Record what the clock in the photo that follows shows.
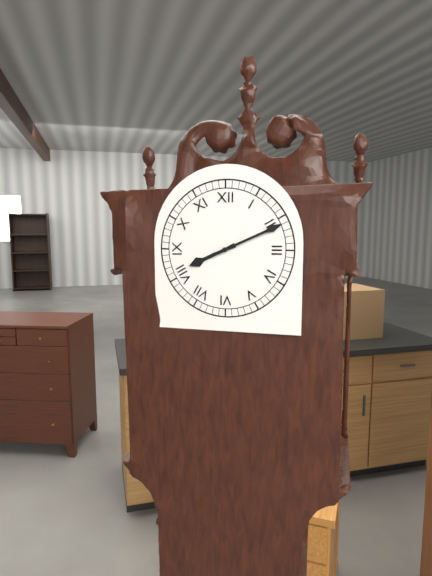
8:11
